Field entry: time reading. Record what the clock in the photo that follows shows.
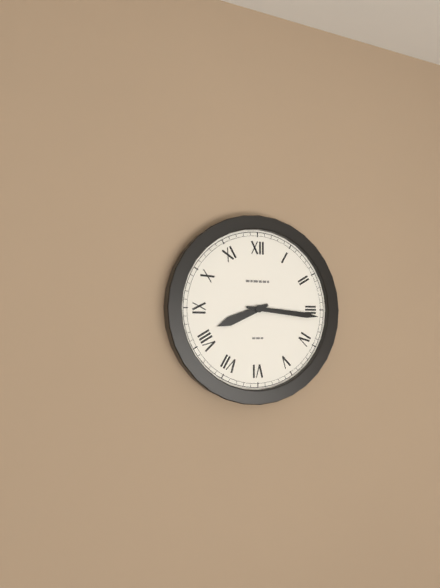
8:16
